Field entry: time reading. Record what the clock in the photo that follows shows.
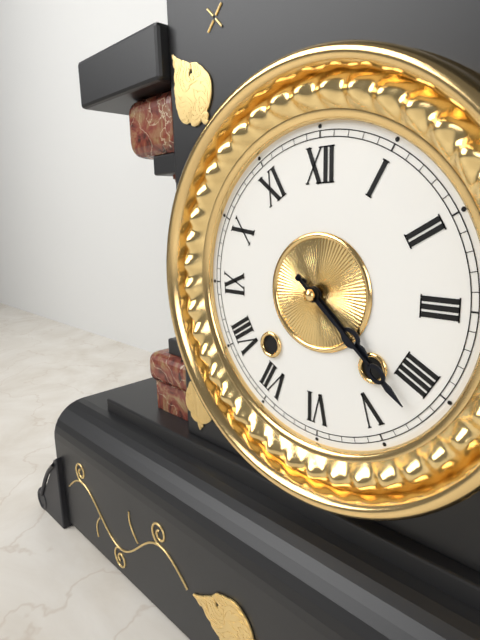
4:22
